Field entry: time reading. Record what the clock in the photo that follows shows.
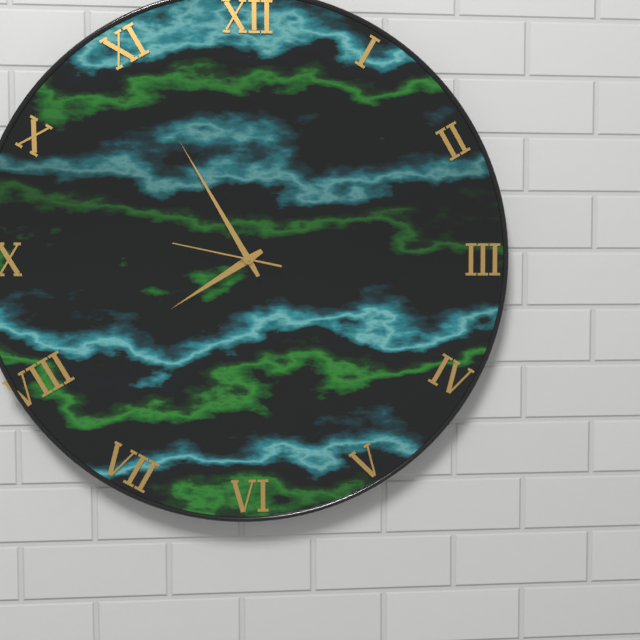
7:55:47
